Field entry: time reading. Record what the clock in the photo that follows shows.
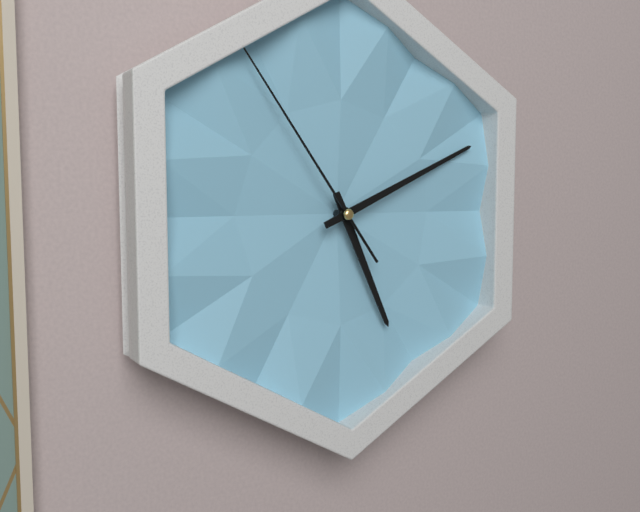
5:11:54
